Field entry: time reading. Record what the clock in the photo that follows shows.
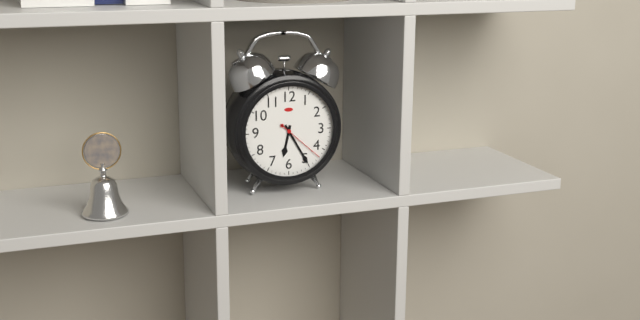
6:25:22
